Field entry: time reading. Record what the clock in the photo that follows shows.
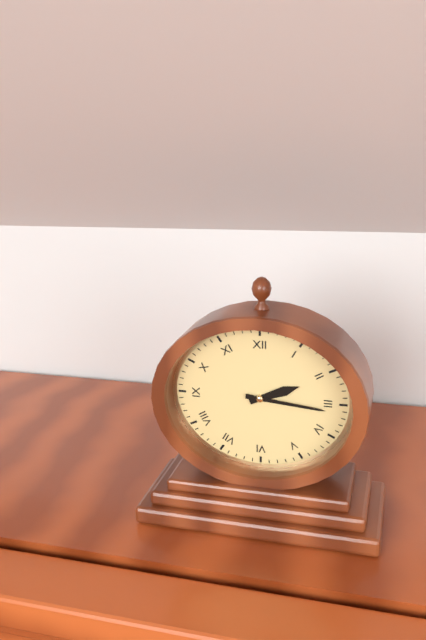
2:16
